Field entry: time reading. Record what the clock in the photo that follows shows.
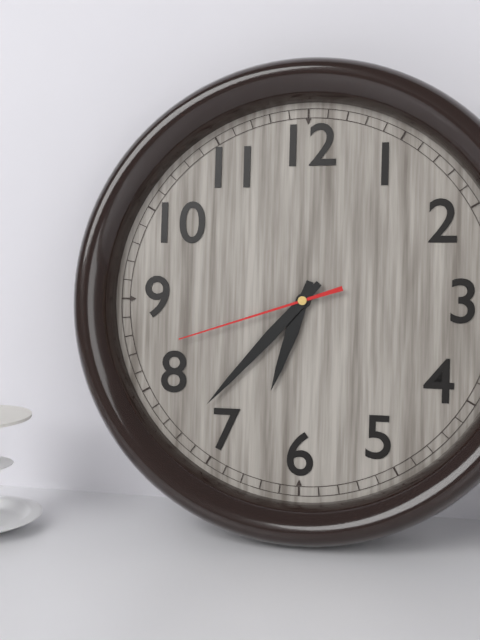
6:37:42
